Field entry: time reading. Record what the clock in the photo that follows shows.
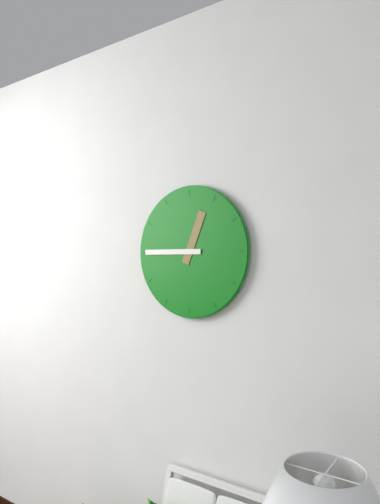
12:45
